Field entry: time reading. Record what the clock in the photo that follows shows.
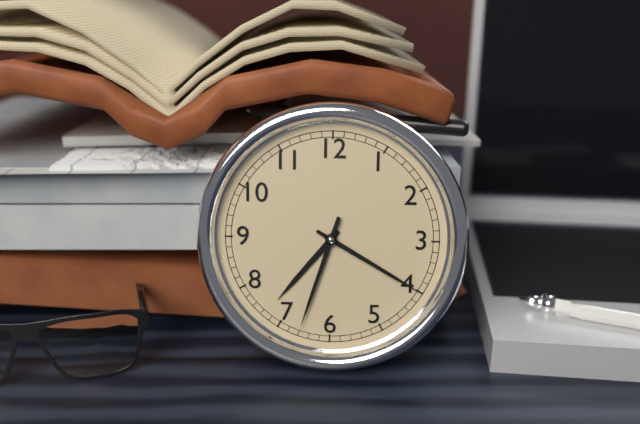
7:20:33
